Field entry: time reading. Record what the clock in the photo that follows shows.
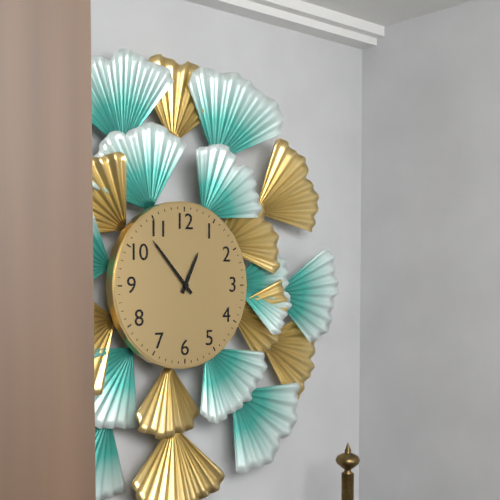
12:53
